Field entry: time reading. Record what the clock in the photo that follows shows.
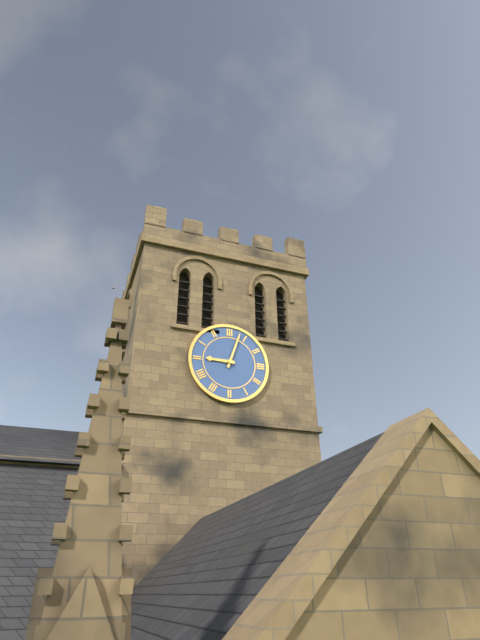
9:03
